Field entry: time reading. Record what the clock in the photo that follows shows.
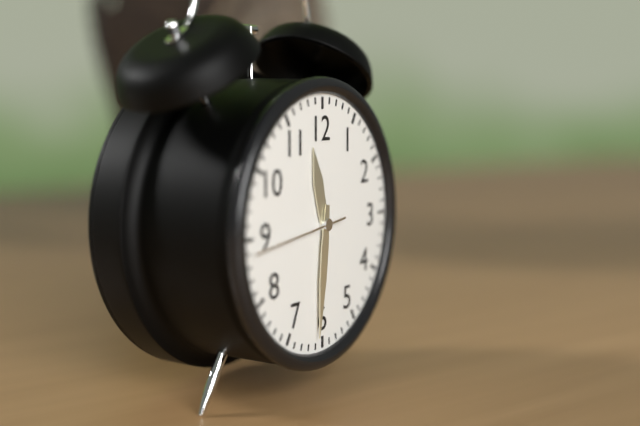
11:31:44
